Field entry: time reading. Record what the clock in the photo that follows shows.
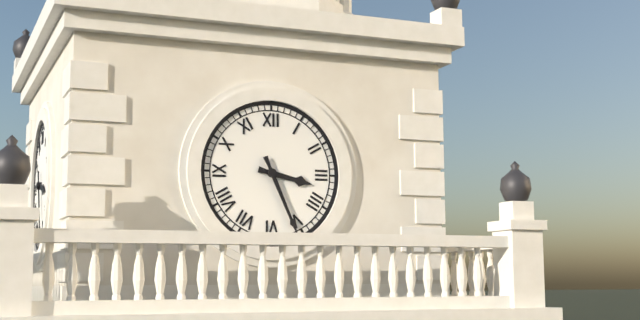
3:26
